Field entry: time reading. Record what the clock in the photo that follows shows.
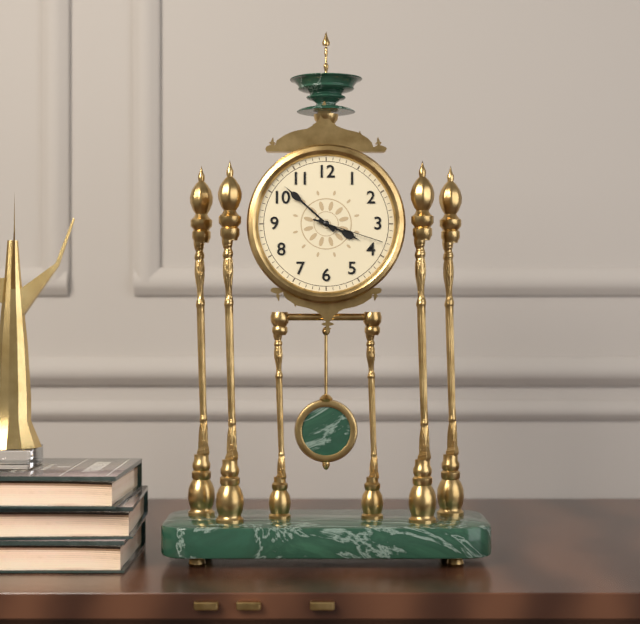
3:52:18
